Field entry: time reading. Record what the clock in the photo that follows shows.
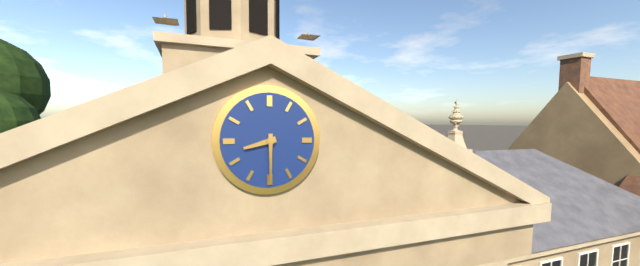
8:30
